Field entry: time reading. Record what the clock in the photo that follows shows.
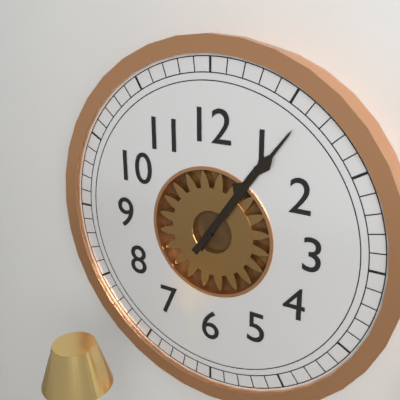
1:06
